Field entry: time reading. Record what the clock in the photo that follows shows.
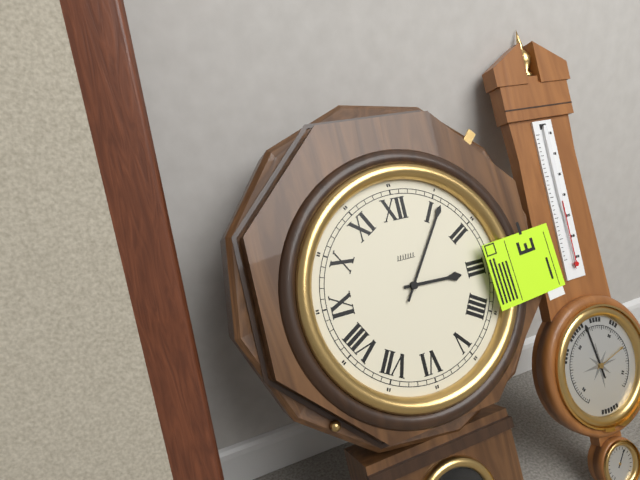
3:06
